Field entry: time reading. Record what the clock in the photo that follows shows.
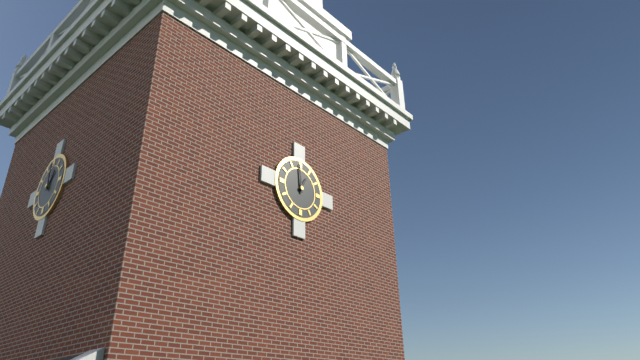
12:59
